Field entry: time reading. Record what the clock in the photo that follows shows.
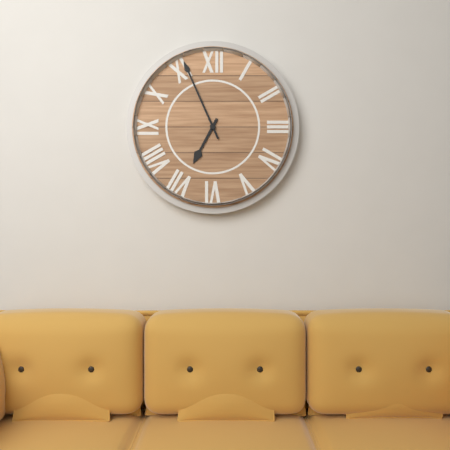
6:56
